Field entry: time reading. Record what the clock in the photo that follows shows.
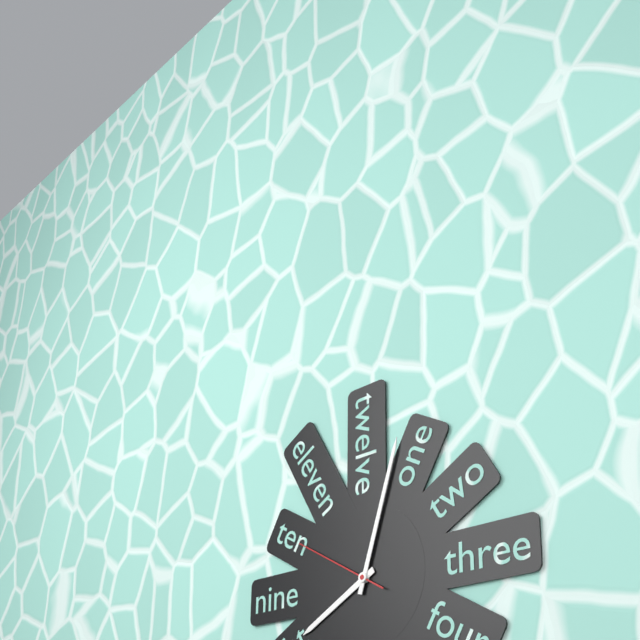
8:03:50
